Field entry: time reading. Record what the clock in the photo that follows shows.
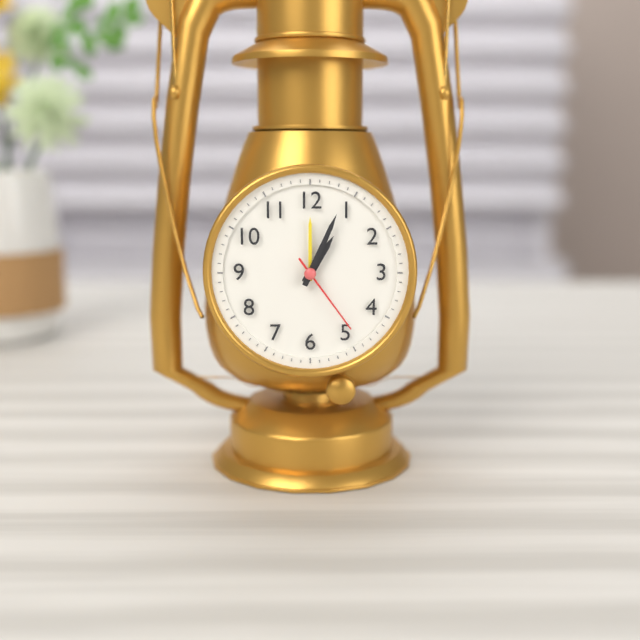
1:04:24
